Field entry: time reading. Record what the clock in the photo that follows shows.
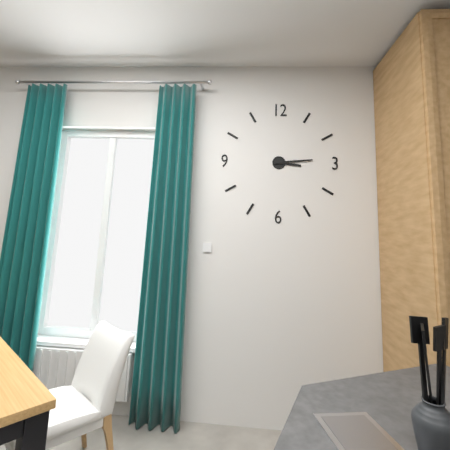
3:14
